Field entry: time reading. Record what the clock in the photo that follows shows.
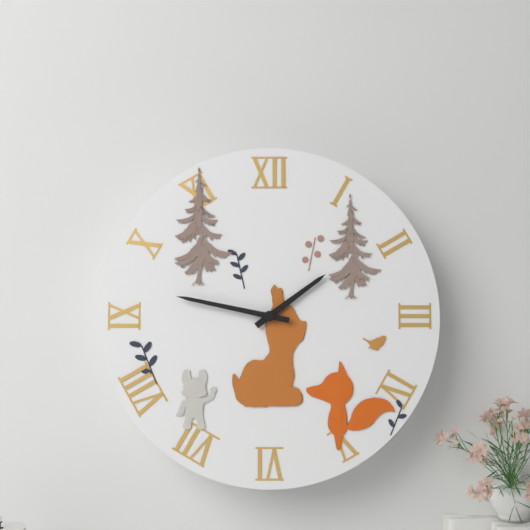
1:47
